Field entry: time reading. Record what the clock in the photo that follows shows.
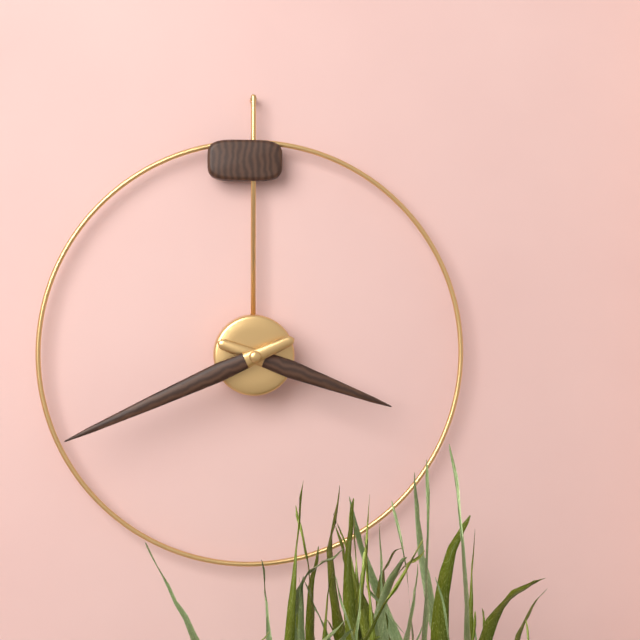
3:41
